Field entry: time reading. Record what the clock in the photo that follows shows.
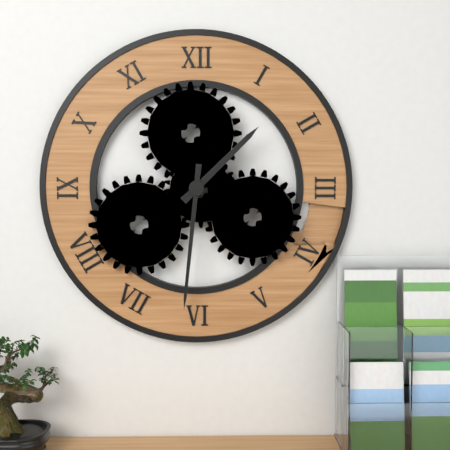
1:31
